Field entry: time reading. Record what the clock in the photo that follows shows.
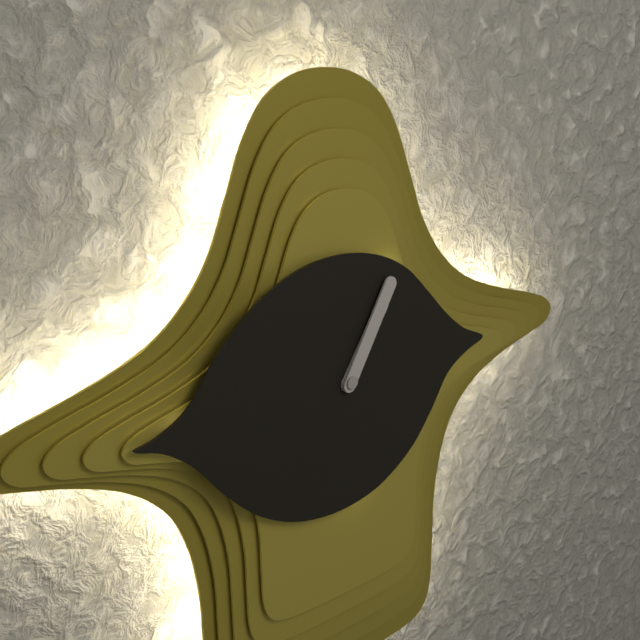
1:05
